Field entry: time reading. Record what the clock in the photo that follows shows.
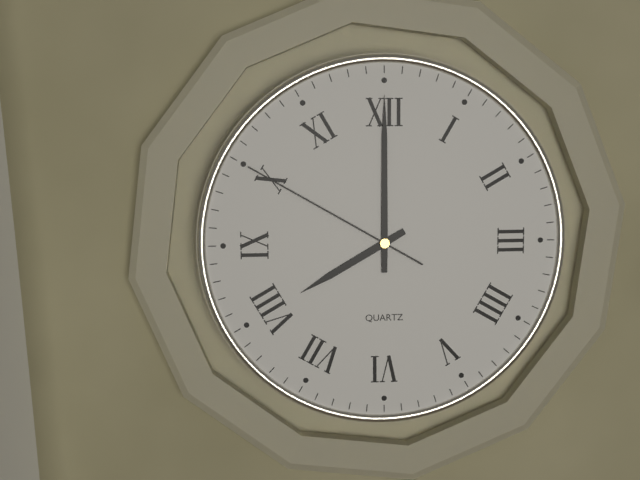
8:00:50
